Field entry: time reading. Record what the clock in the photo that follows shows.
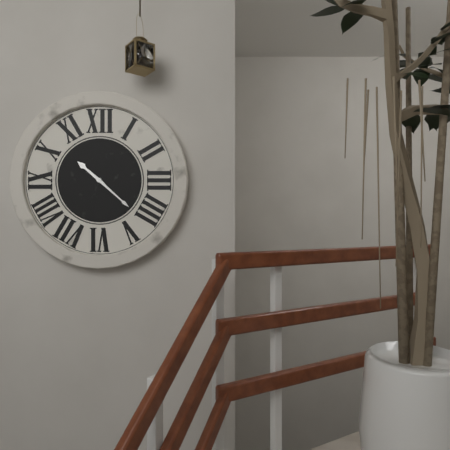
10:22
